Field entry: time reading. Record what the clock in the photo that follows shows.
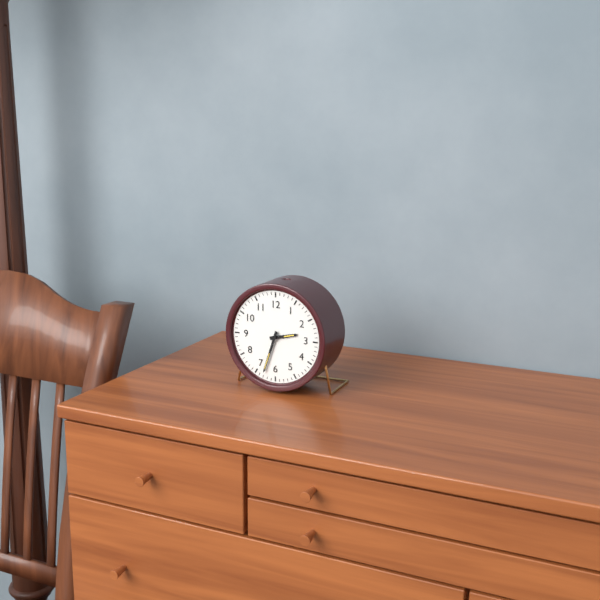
2:33
